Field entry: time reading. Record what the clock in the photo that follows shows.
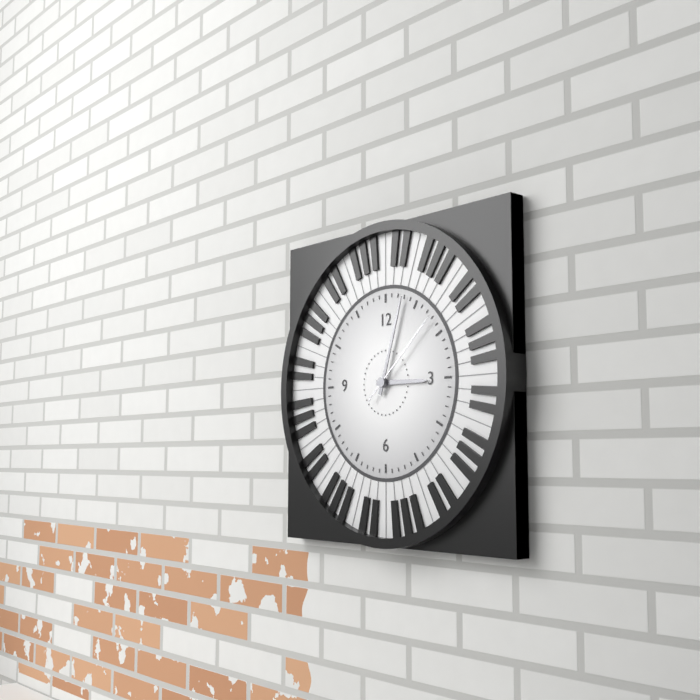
3:03:08
